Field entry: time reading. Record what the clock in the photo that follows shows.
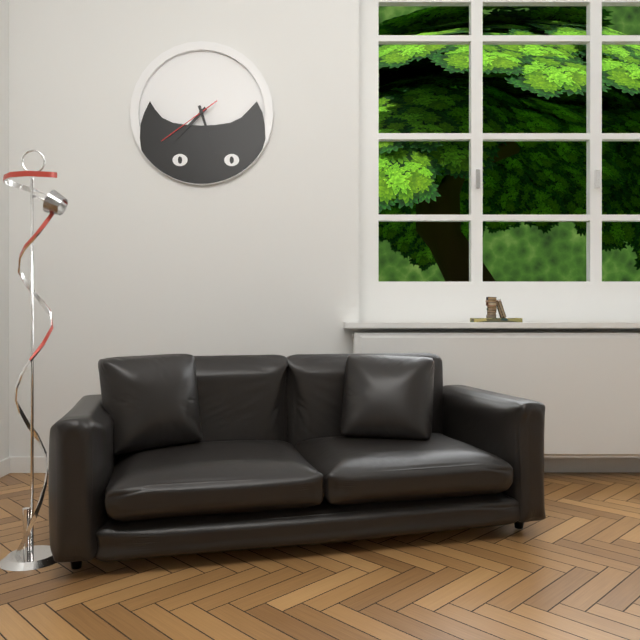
7:27:39
